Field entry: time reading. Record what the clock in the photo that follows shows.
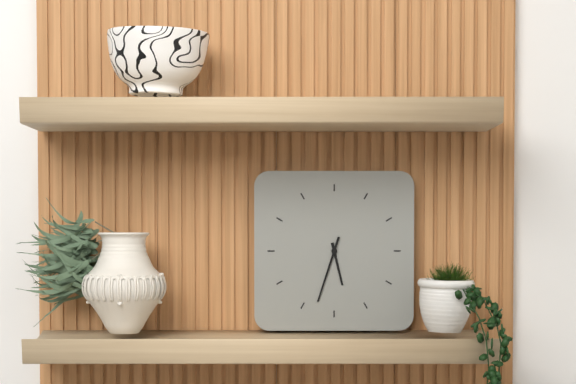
5:33
